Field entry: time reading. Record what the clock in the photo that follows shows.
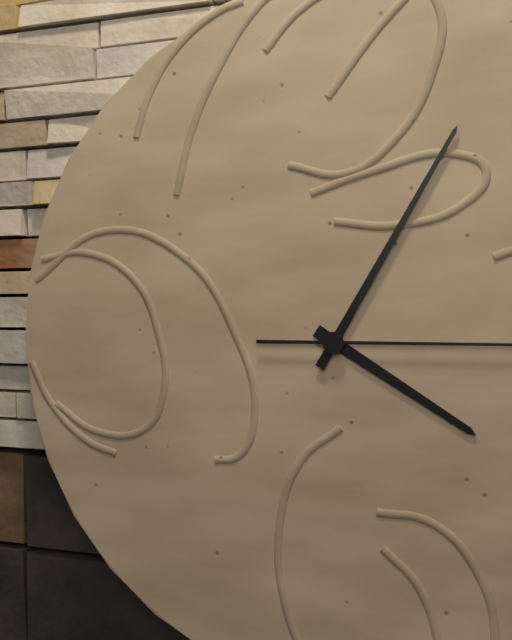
4:05
